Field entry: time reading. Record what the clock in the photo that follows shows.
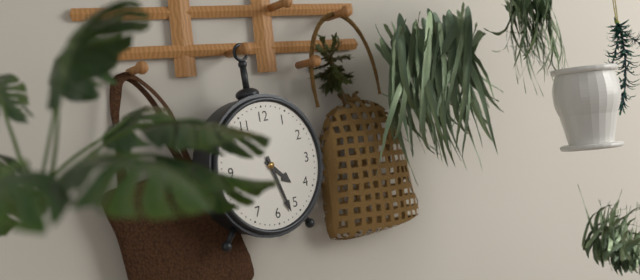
4:27
